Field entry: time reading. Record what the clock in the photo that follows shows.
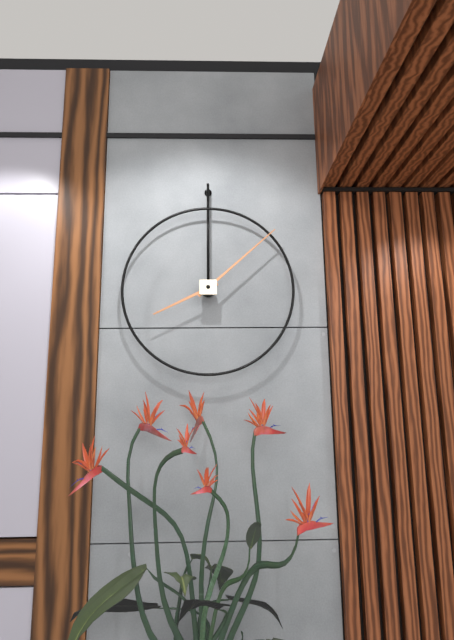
8:08
